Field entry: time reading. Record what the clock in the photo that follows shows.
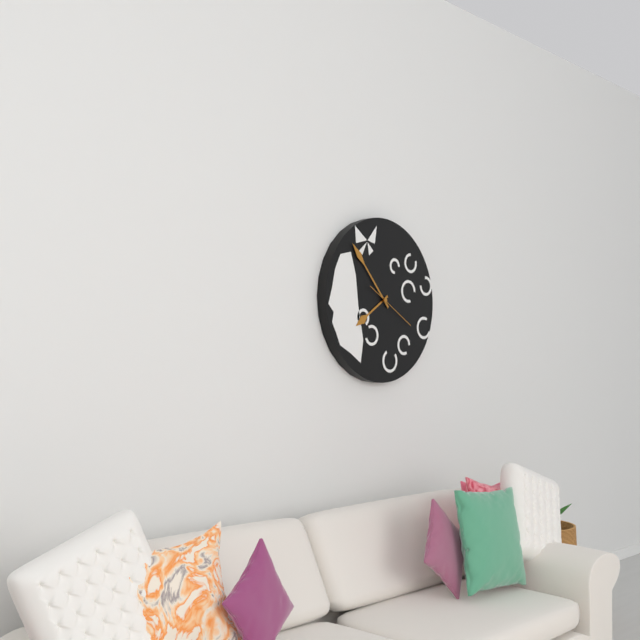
7:53
